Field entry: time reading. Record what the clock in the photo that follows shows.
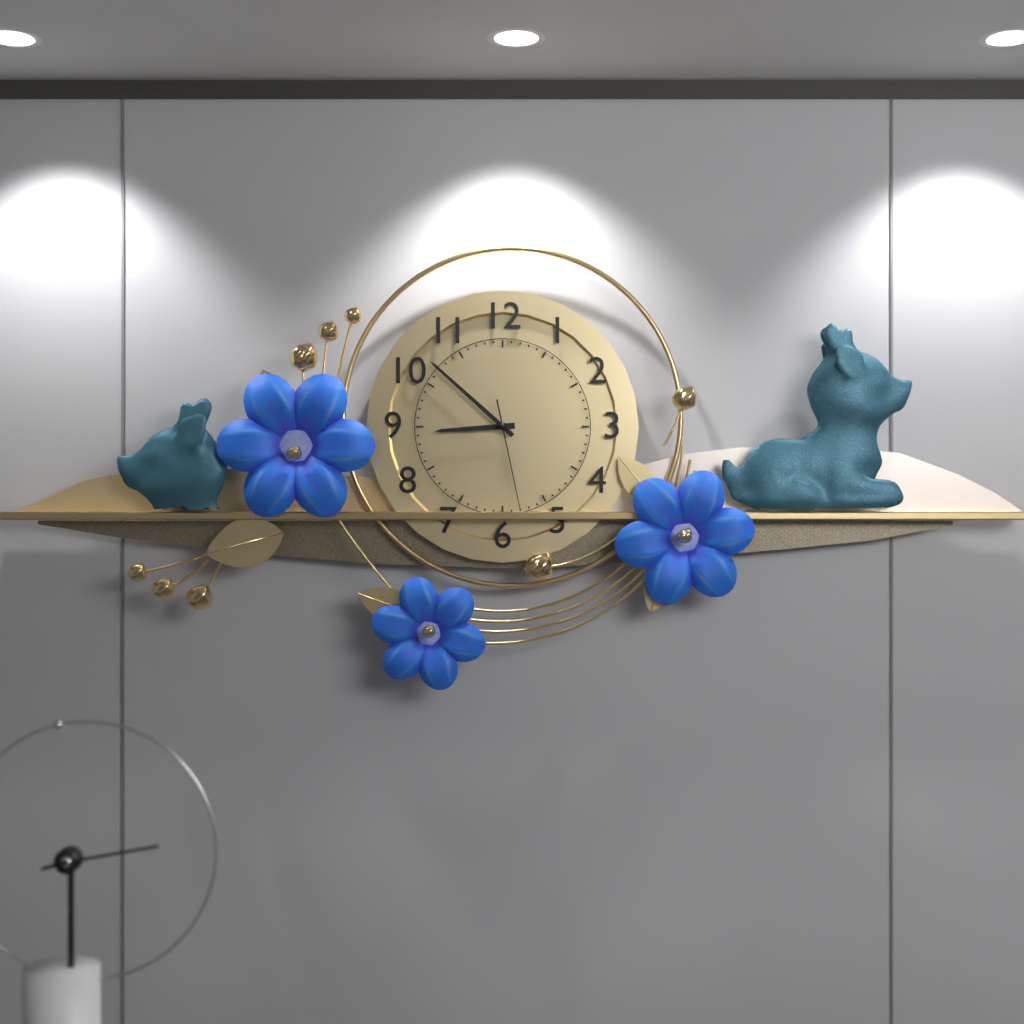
8:52:28
